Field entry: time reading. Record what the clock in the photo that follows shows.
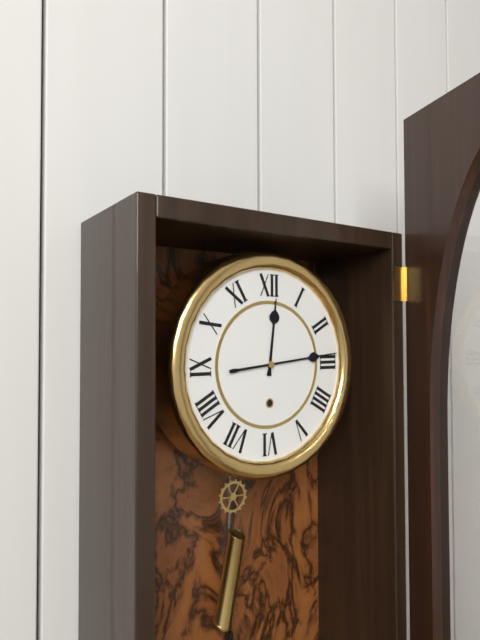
12:14
